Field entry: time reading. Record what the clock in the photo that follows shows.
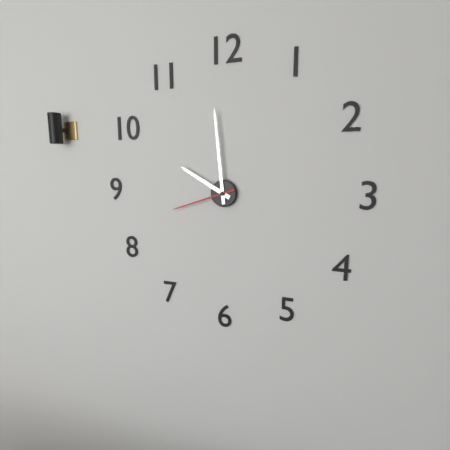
9:59:42
